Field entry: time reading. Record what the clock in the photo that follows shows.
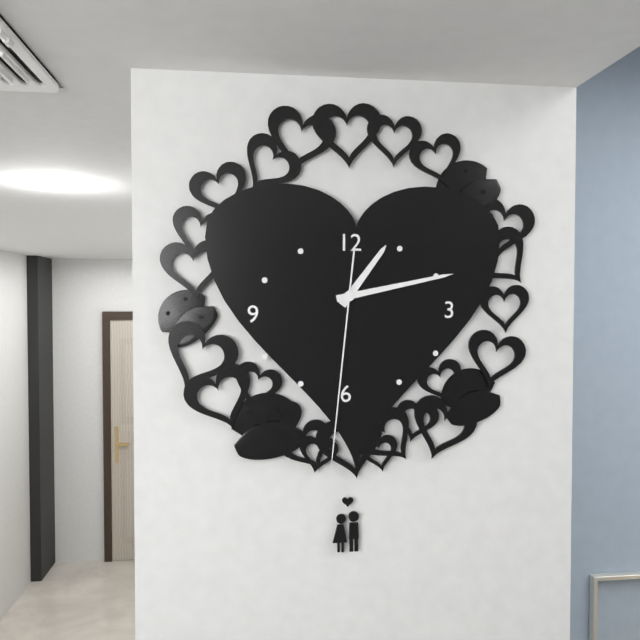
1:13:31
